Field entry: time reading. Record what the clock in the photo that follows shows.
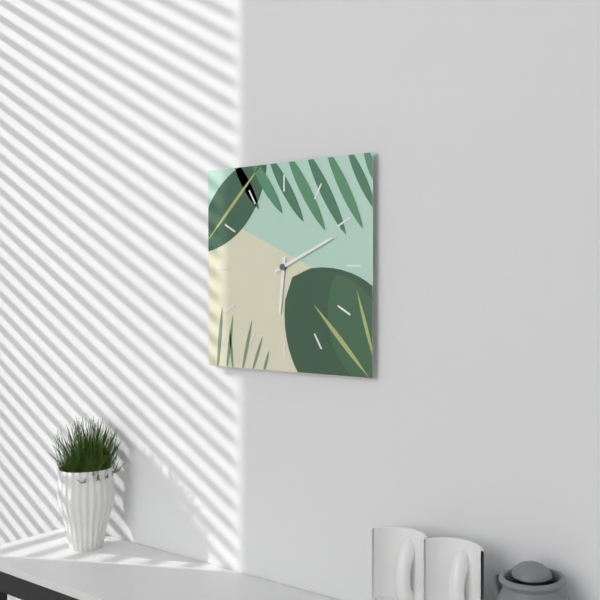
6:11
